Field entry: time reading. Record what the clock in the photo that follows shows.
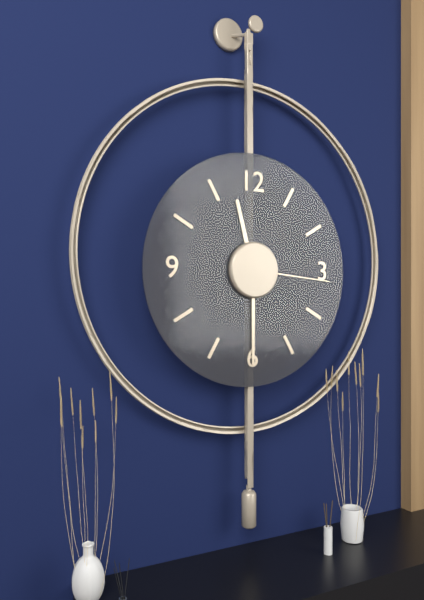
11:30:16
